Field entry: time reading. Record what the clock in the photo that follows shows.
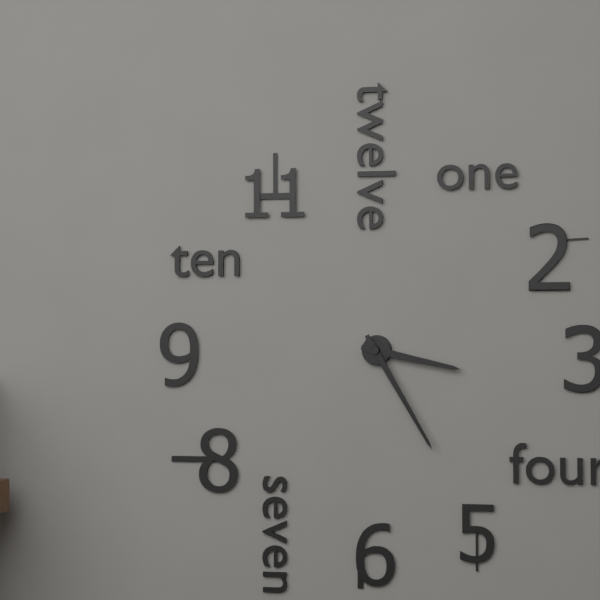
3:25
